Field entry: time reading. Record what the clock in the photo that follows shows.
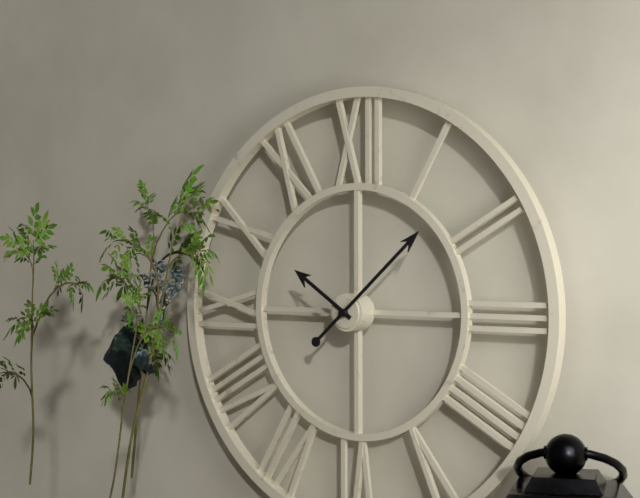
10:08
